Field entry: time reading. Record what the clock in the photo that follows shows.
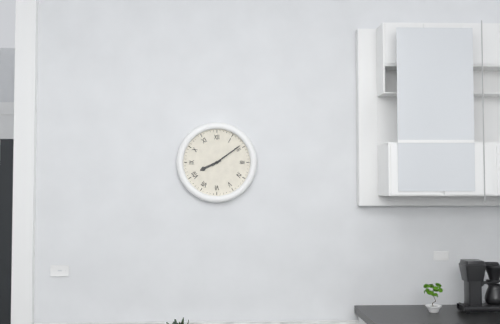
8:09
